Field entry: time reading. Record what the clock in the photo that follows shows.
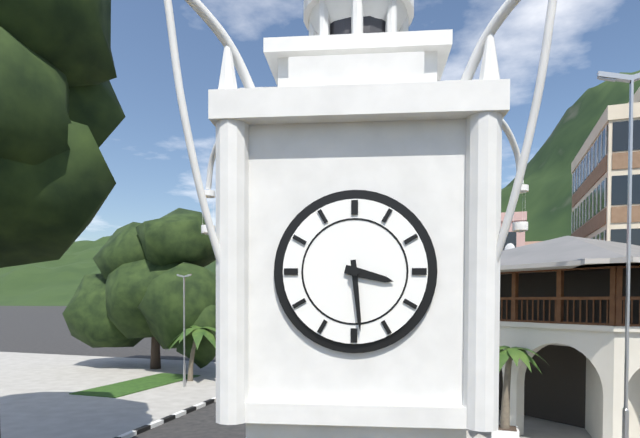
3:29
